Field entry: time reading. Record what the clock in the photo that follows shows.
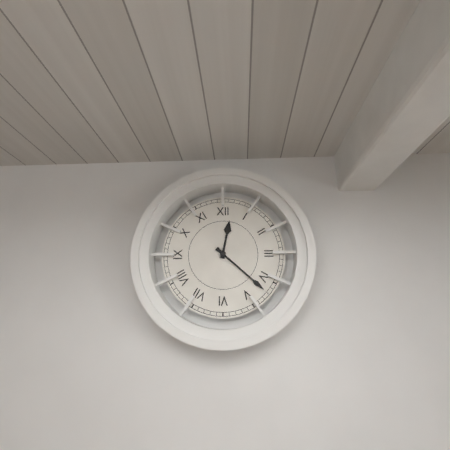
12:22
